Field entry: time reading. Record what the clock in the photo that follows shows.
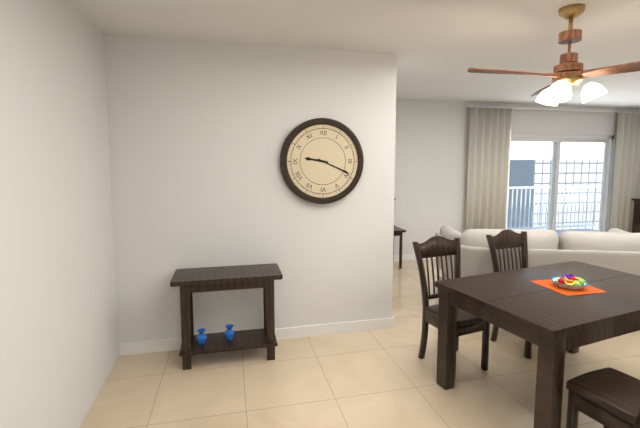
9:19
